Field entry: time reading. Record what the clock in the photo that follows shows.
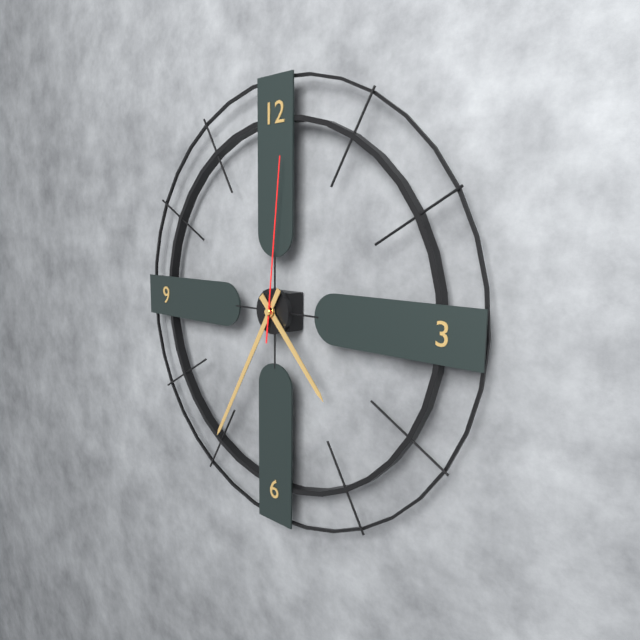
4:35:01
